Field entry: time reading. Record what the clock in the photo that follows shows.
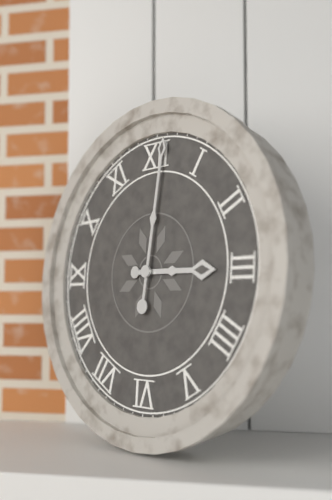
3:01
